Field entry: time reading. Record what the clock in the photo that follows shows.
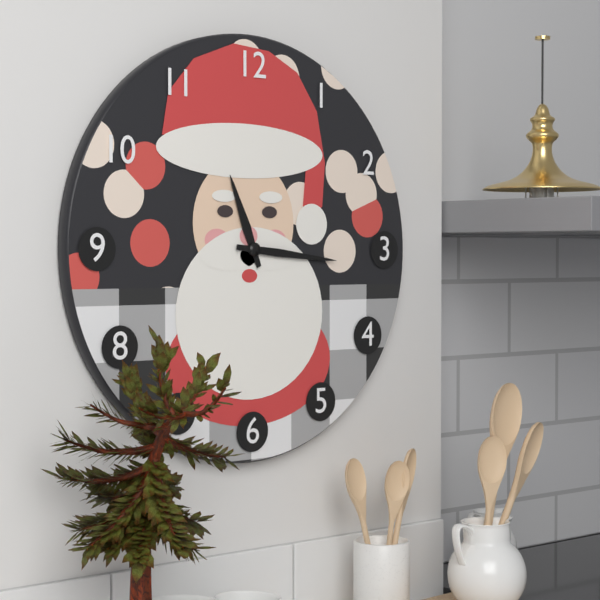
11:16
